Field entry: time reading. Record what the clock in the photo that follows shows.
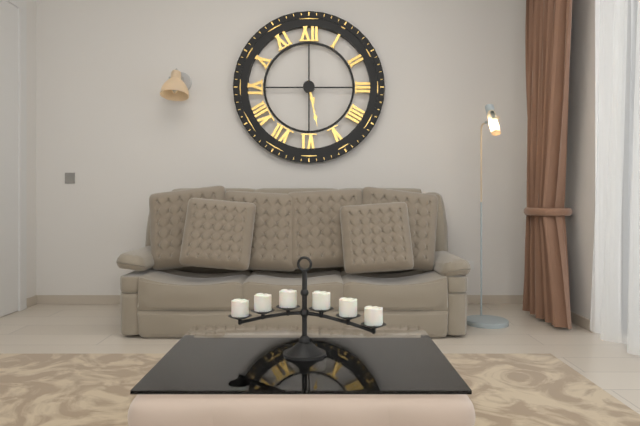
5:28
